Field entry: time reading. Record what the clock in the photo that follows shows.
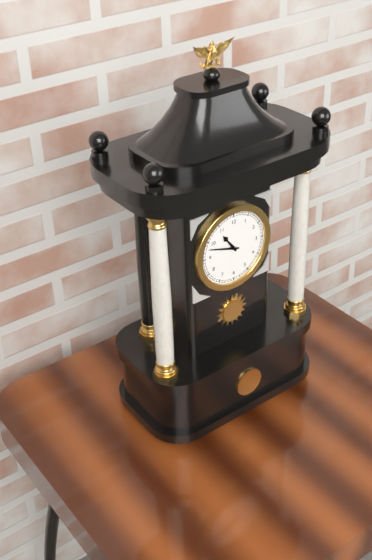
10:48
